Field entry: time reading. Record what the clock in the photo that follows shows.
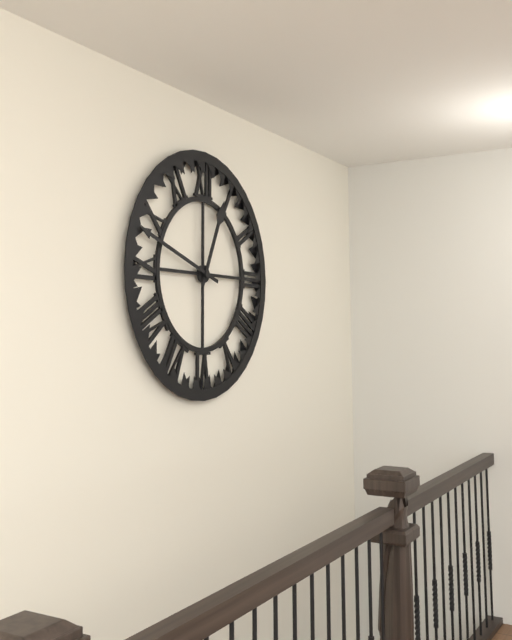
12:48
